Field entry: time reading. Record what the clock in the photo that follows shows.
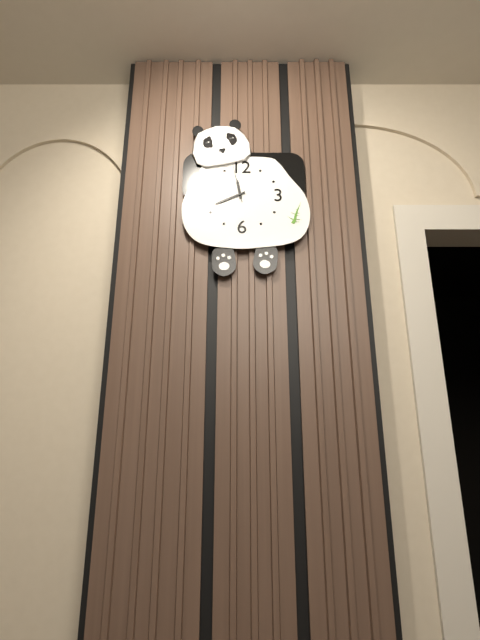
11:41
